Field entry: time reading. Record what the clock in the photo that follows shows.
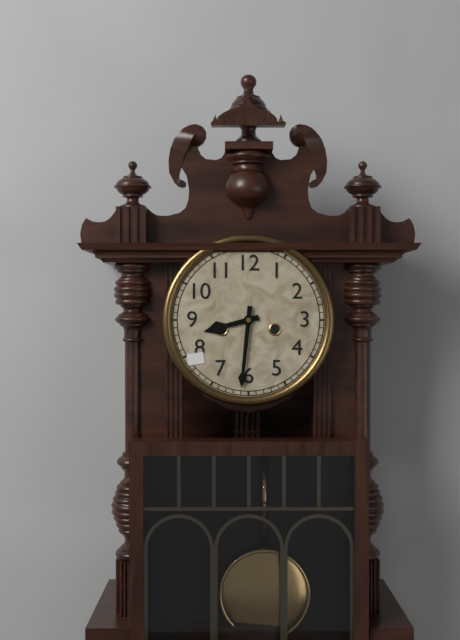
8:31
